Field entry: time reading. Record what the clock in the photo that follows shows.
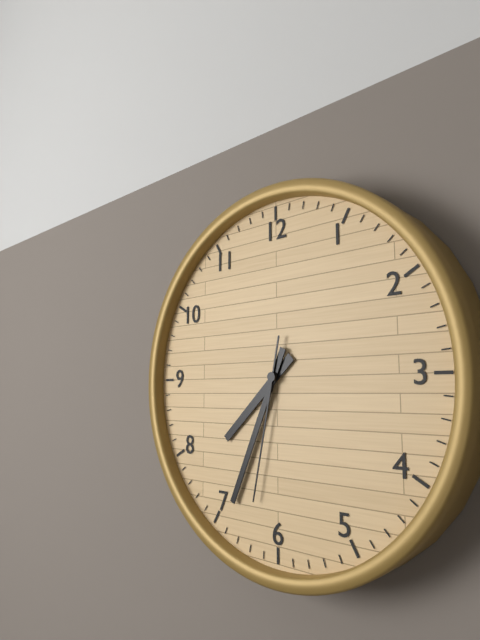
7:34:32
